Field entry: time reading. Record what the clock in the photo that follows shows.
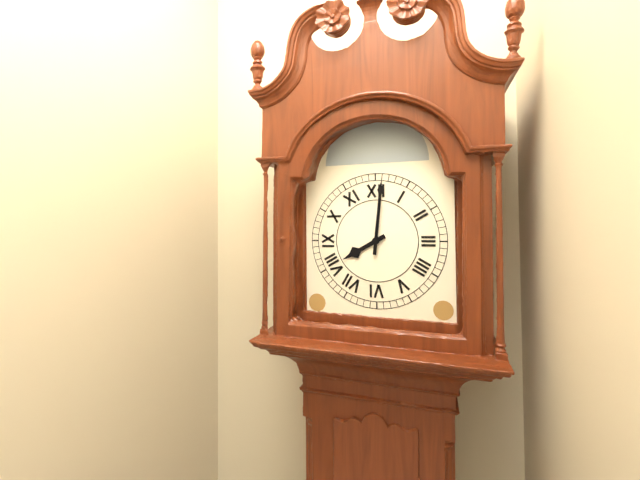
8:01
